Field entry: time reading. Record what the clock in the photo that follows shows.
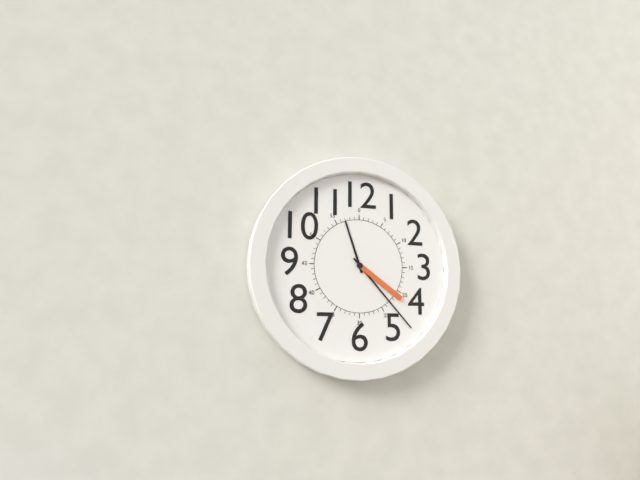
11:23:21
